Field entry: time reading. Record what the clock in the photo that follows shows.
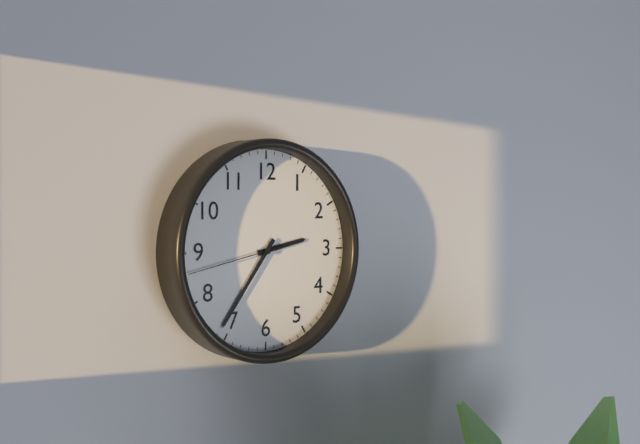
2:36:43
